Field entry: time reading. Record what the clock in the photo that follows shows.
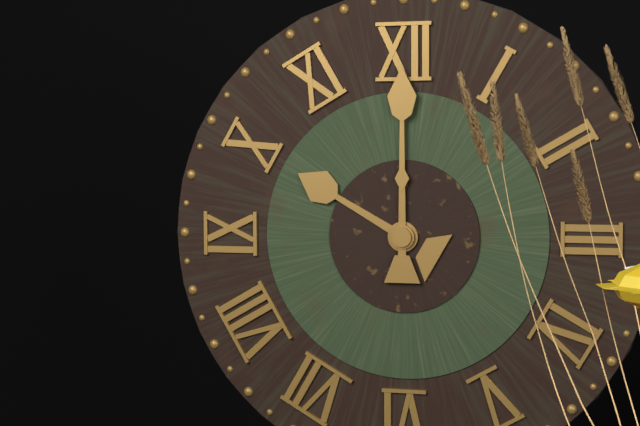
10:00
